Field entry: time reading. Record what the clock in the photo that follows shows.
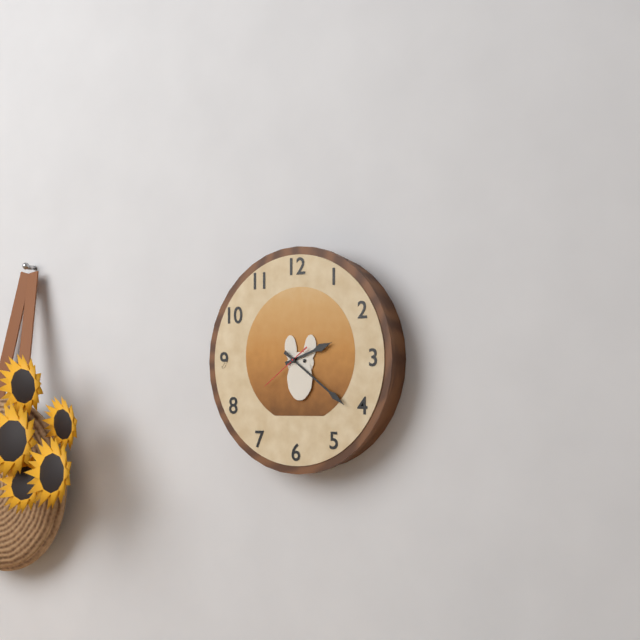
2:21:39
